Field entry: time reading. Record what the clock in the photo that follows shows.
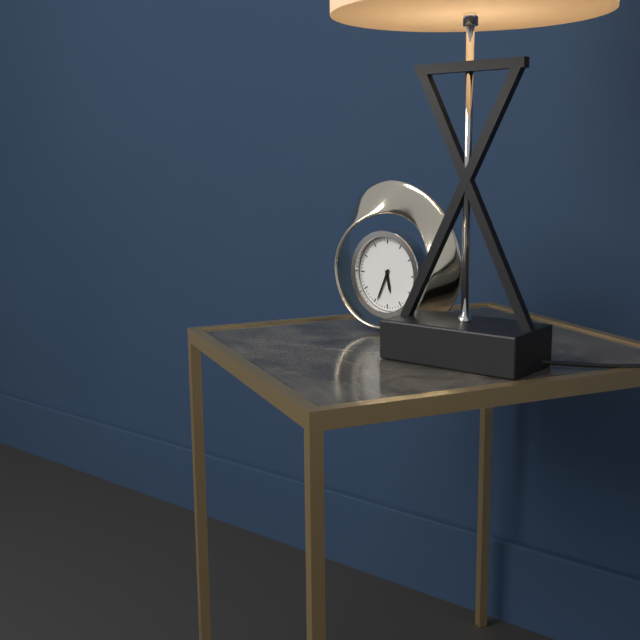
5:34
